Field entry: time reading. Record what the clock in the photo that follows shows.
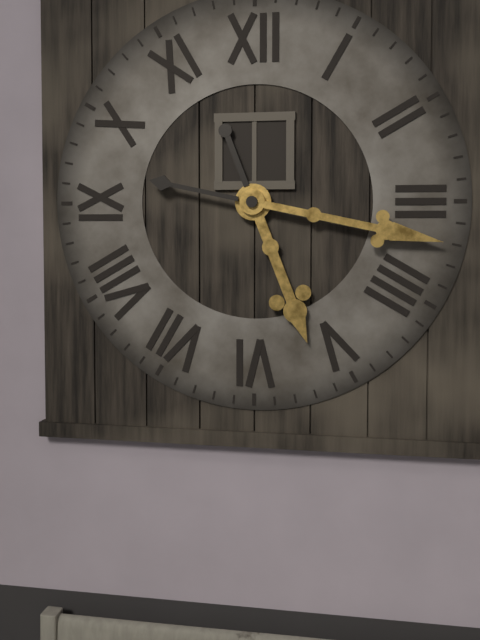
5:17
